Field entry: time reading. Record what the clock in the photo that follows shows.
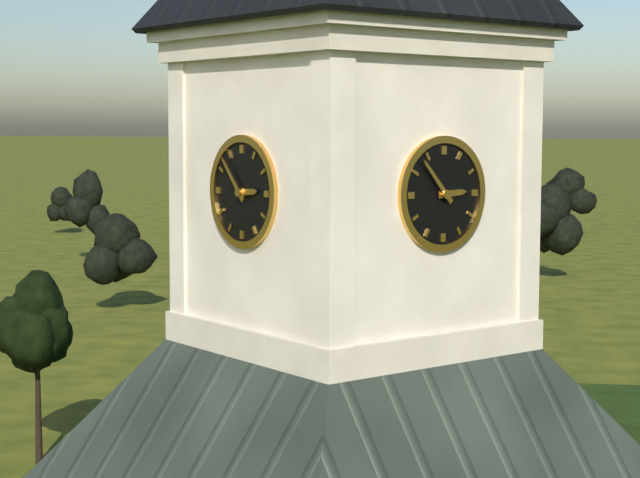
2:53
